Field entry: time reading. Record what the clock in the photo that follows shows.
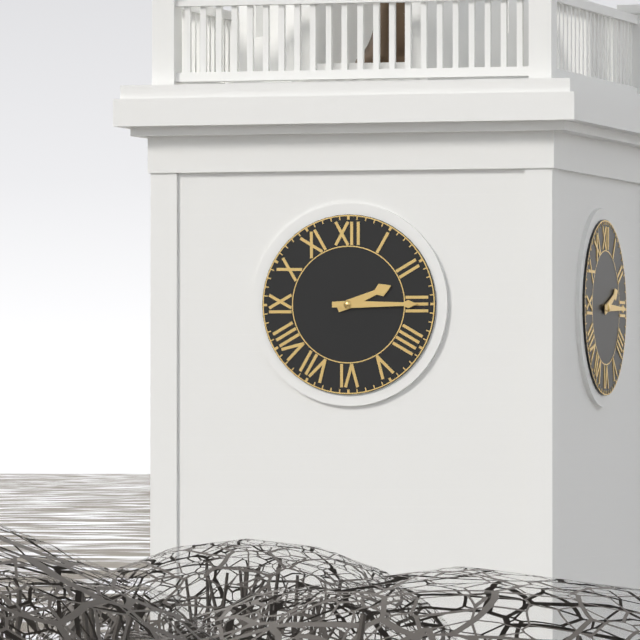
2:15
